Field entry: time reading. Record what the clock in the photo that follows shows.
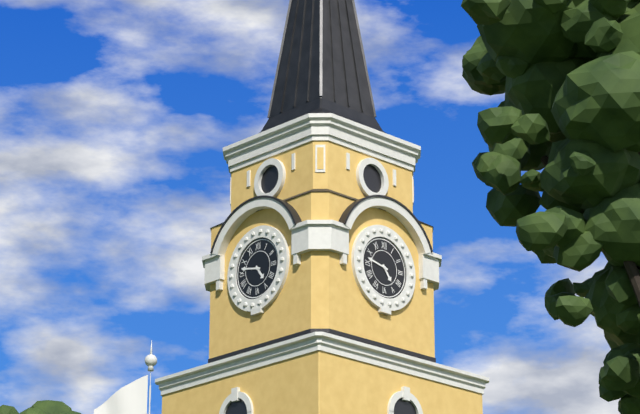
4:47
